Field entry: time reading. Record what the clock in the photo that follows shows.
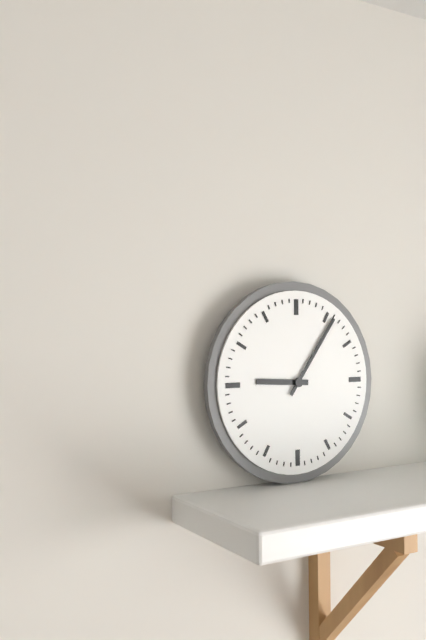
9:06
